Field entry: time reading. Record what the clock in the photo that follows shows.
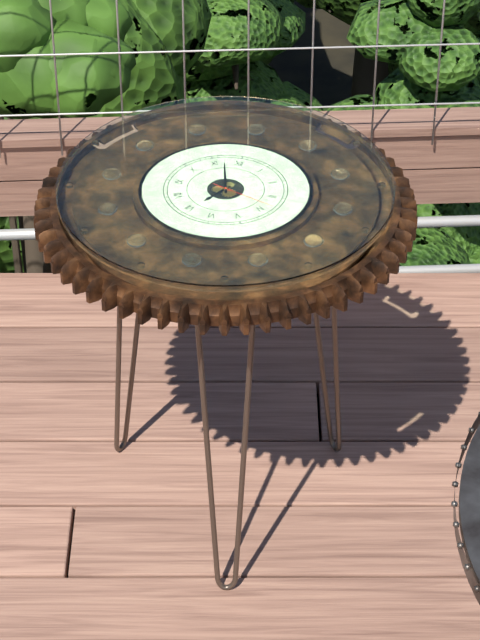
6:57:18
